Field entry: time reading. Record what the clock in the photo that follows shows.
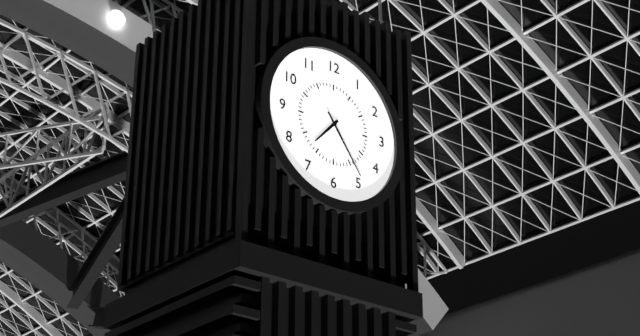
7:24
